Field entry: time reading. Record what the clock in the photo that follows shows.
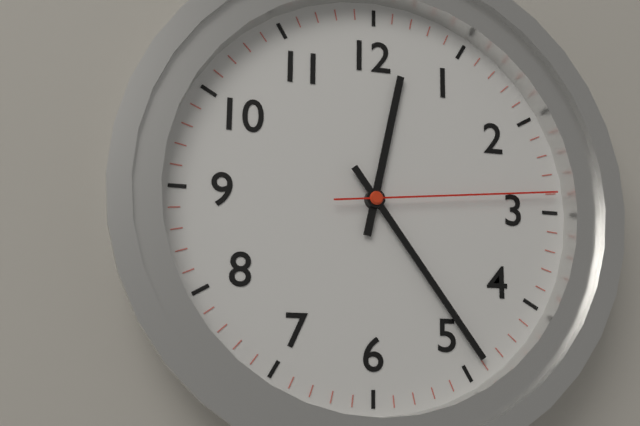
12:24:14
